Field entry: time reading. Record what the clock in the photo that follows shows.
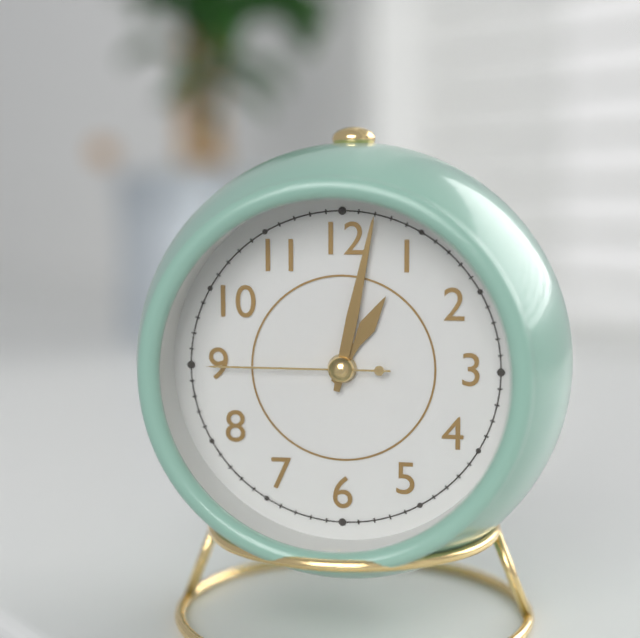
1:02:45
